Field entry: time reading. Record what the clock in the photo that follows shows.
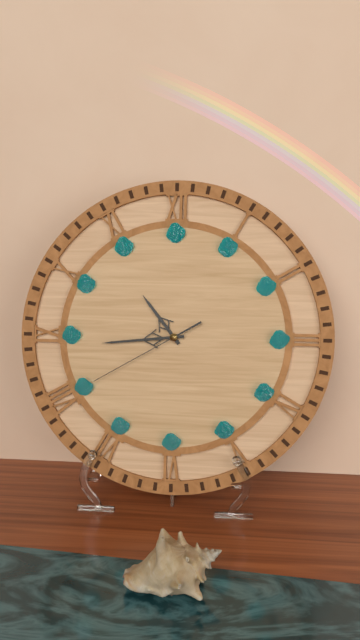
10:44:40
